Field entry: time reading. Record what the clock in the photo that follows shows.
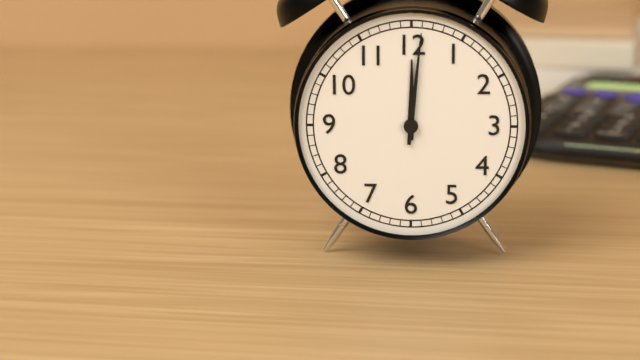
12:01
